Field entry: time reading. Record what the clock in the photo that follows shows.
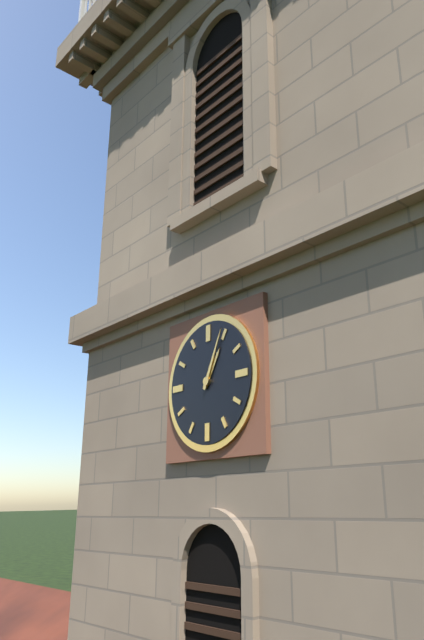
1:04
